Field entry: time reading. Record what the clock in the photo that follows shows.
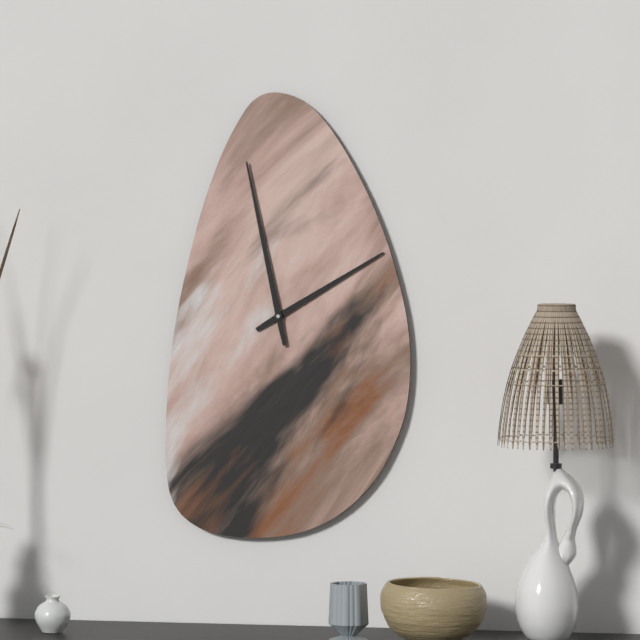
1:58
